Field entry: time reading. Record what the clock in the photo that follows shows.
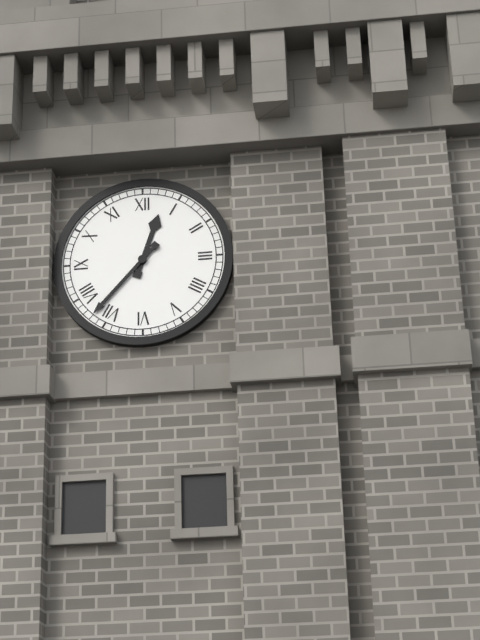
12:37
